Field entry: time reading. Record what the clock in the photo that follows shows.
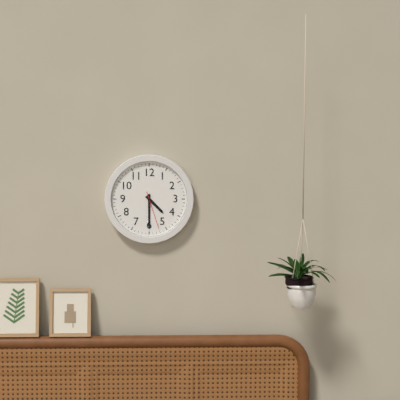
4:30
